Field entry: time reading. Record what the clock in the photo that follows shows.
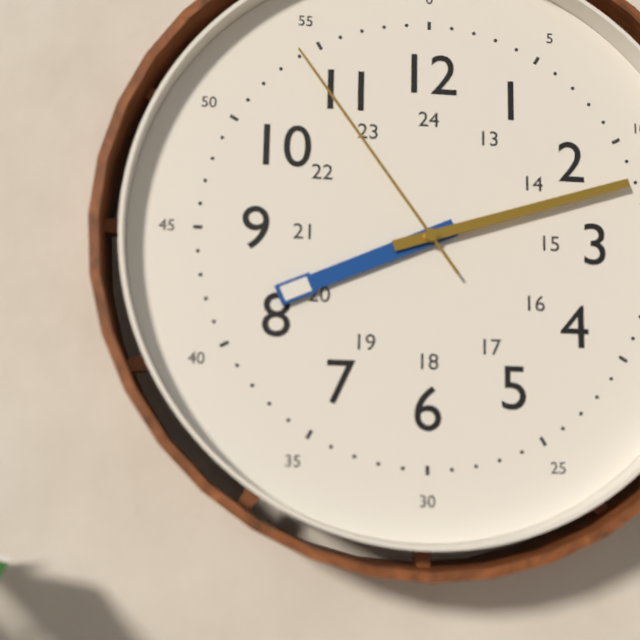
8:12:54
